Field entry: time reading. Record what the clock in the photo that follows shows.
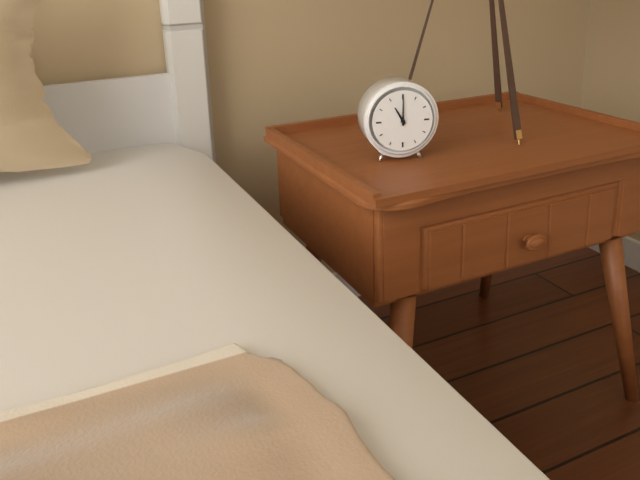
11:00
